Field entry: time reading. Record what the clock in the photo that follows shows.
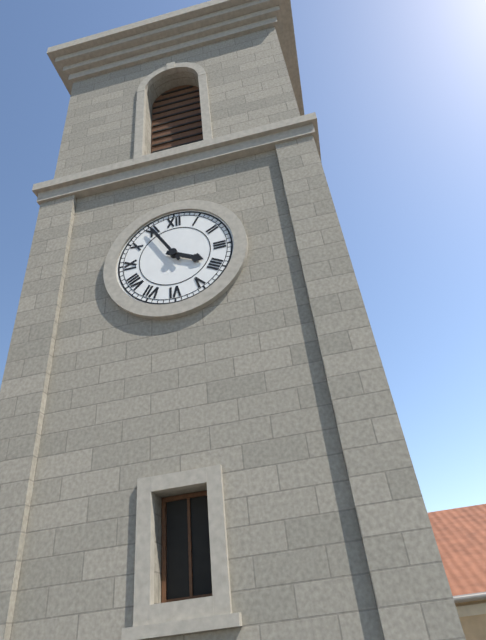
3:55
